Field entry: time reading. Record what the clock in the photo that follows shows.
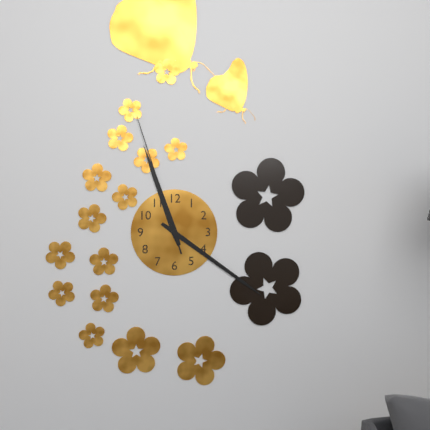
11:21:57
